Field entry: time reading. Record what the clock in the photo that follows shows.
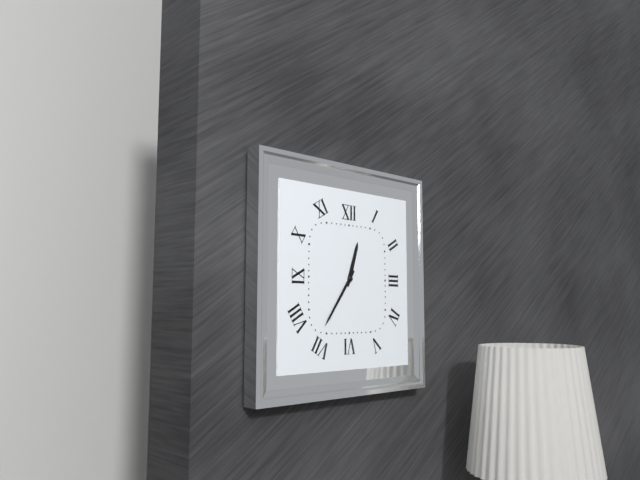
12:36
